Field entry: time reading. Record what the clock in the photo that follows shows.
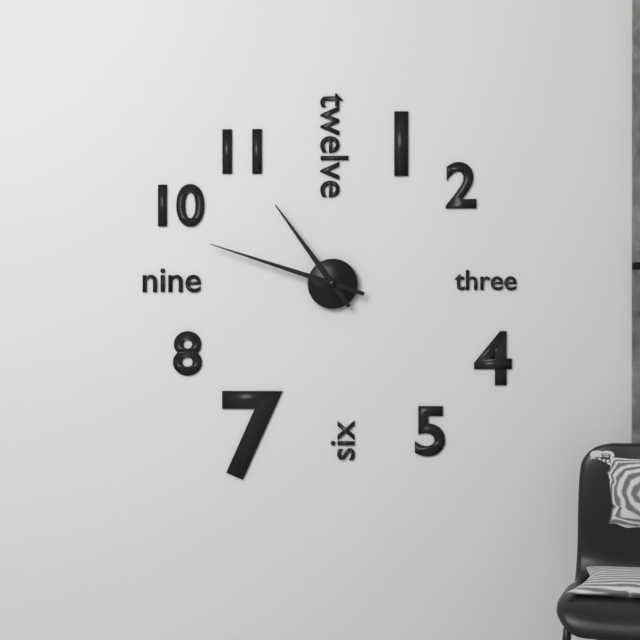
10:48
